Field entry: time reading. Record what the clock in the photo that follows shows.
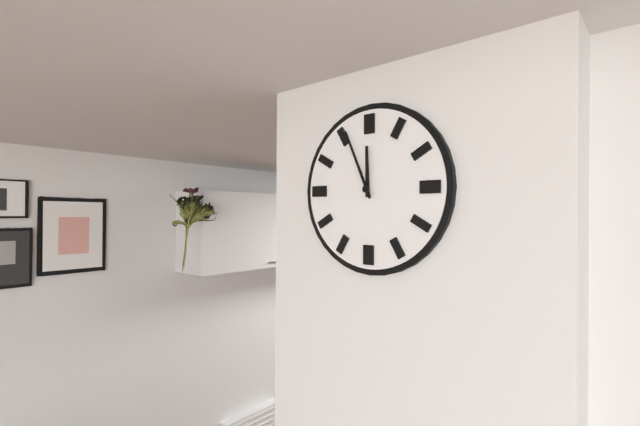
11:56
